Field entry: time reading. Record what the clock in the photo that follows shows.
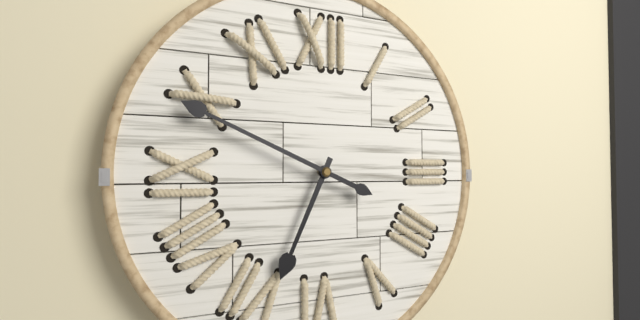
6:49
